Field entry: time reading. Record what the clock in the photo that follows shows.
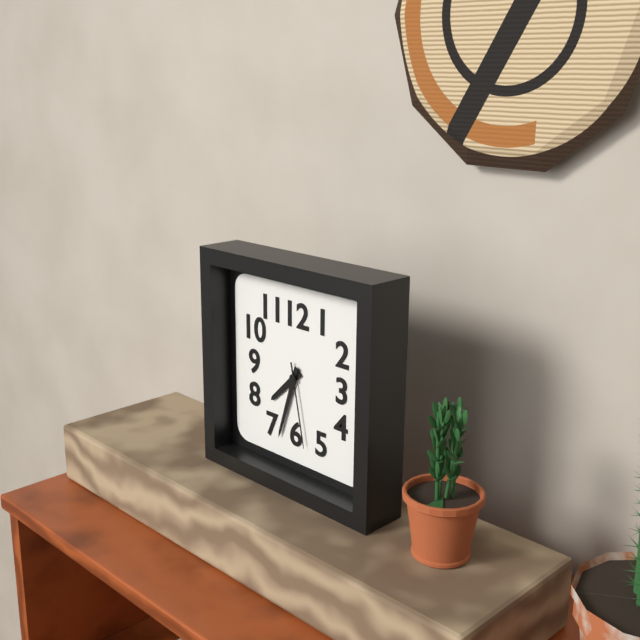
7:33:28
